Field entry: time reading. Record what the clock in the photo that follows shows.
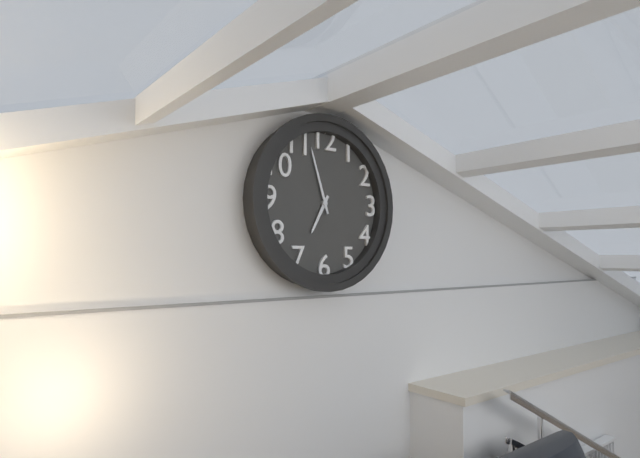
6:57
